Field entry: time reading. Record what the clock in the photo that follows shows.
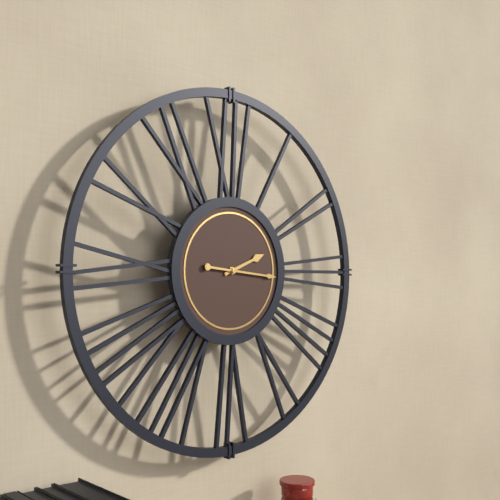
2:16
